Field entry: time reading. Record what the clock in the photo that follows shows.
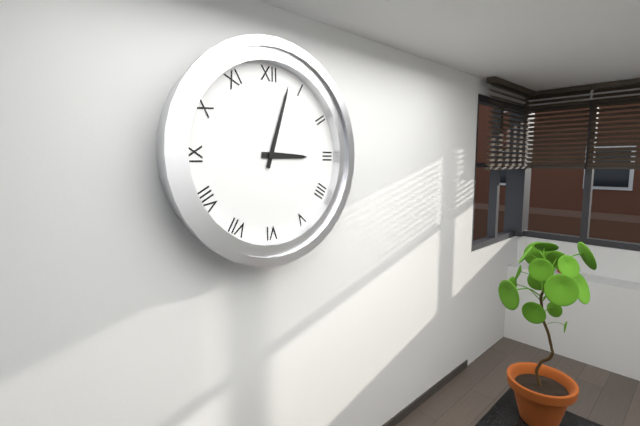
3:03
